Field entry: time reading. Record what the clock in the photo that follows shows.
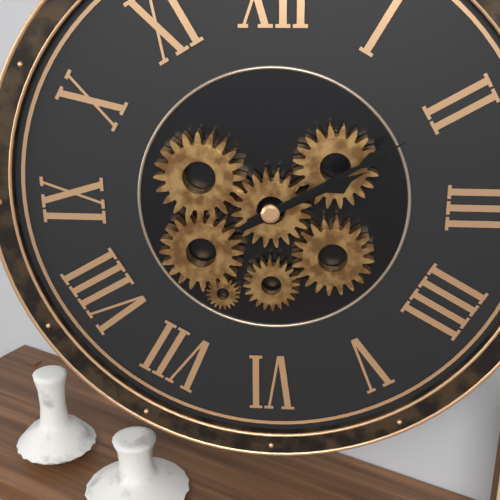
2:10
